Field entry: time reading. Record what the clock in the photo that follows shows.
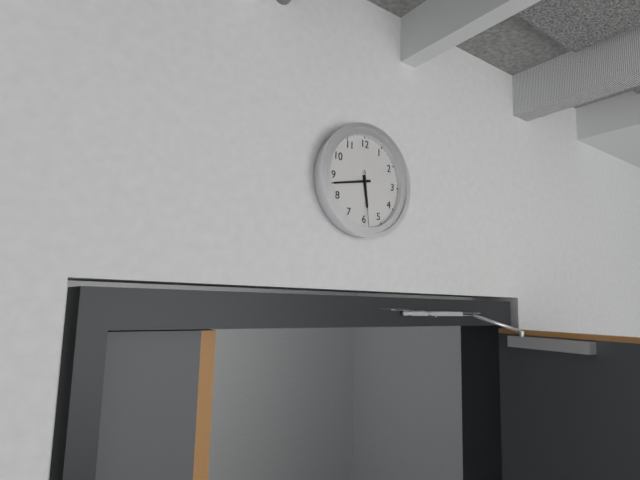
5:43:29
